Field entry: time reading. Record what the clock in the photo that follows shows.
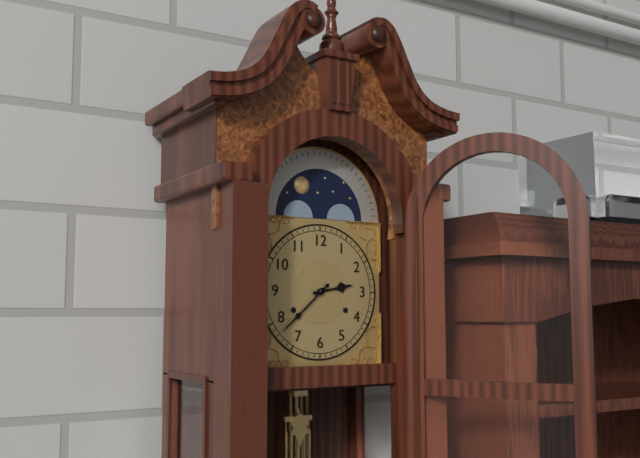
2:38
